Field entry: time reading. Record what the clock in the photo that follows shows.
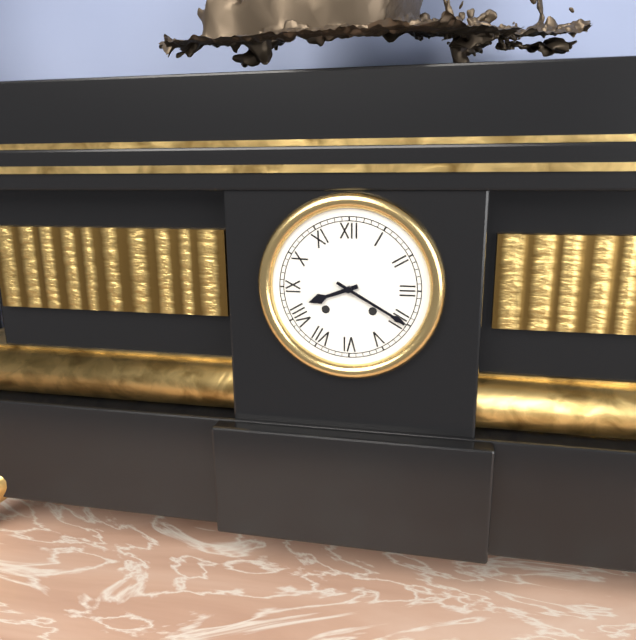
8:20
